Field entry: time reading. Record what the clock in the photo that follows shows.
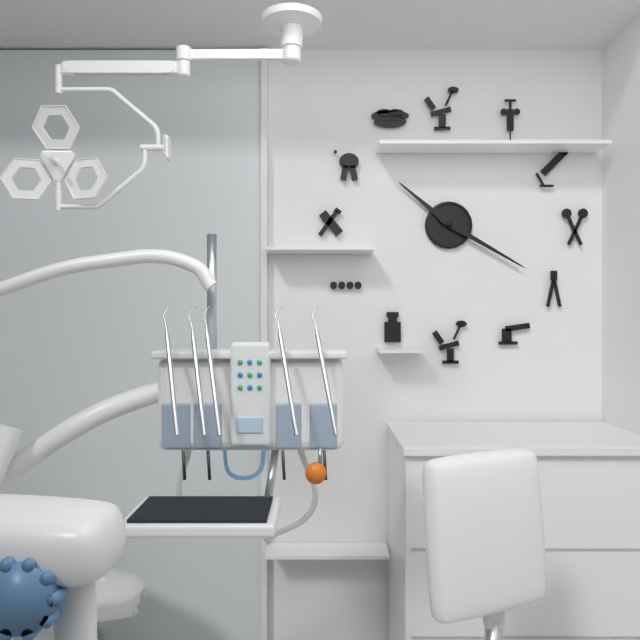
10:20
